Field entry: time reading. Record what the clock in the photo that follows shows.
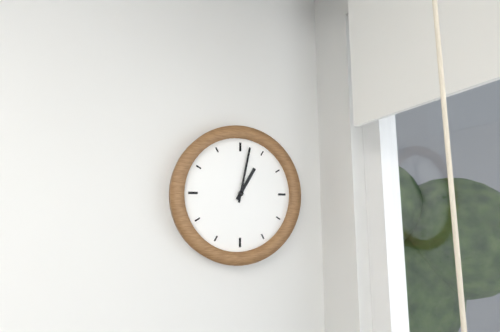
1:02
